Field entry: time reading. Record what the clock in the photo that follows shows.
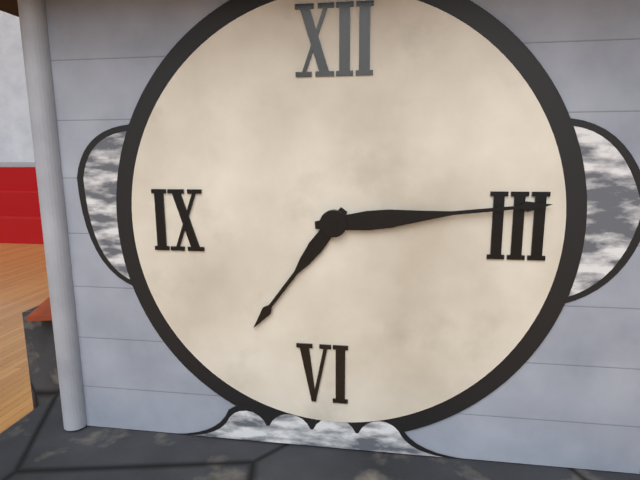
7:14
